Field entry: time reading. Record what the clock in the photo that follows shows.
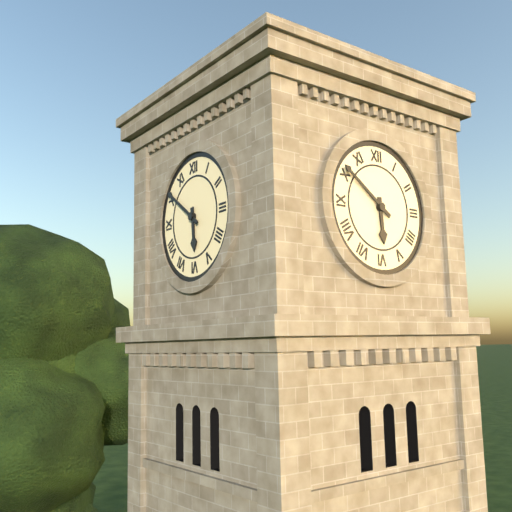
5:51
